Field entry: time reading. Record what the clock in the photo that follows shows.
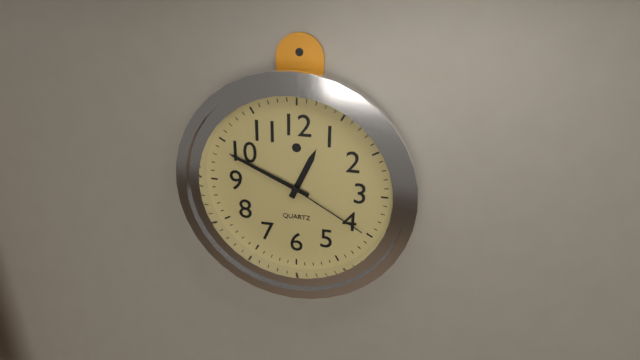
12:49:20
